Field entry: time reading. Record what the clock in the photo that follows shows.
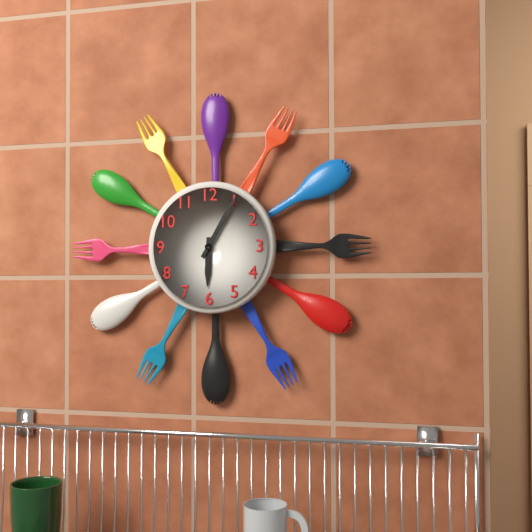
6:05
